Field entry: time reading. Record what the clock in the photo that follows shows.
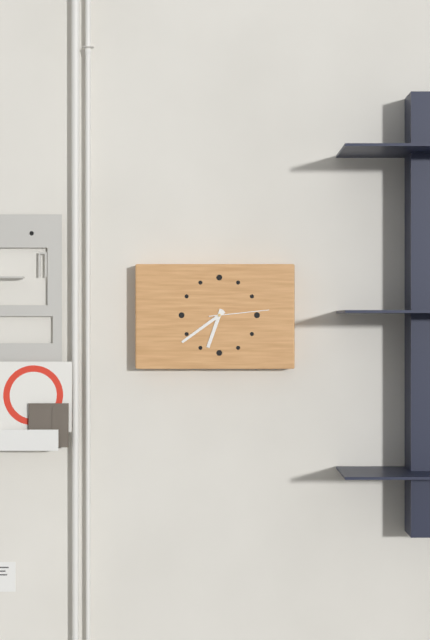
6:39:14
